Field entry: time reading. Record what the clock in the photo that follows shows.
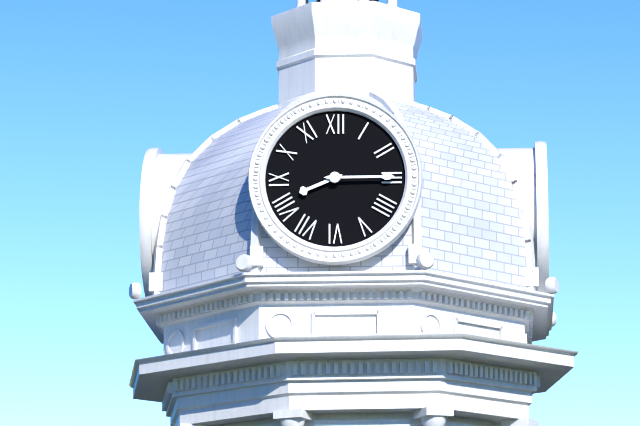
8:15
